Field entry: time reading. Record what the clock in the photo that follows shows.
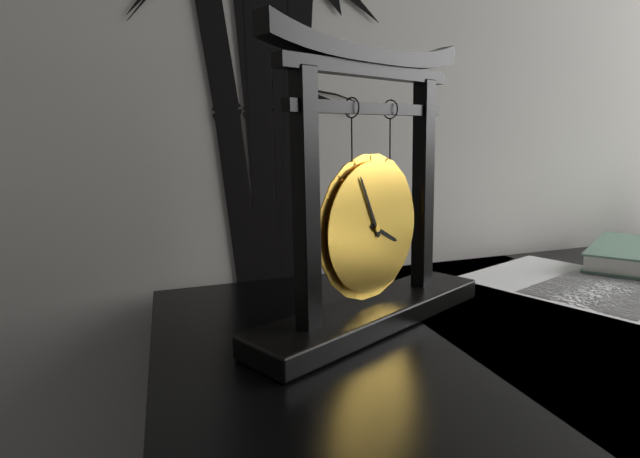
3:56
